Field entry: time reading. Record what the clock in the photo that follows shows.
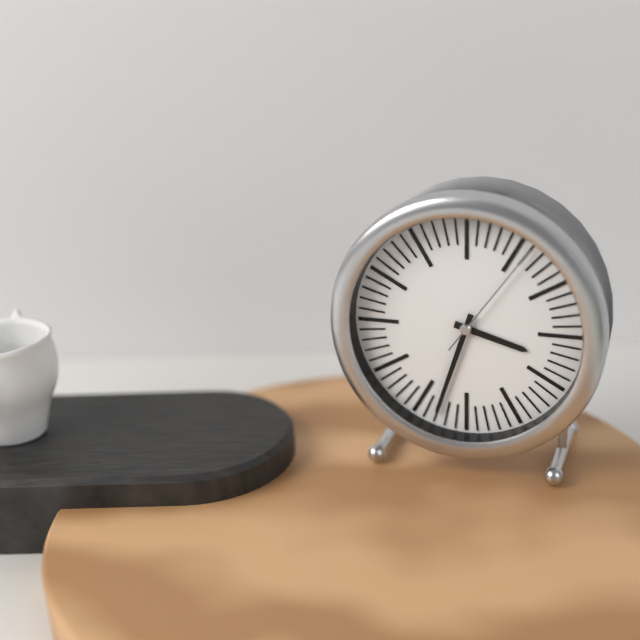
3:33:06
